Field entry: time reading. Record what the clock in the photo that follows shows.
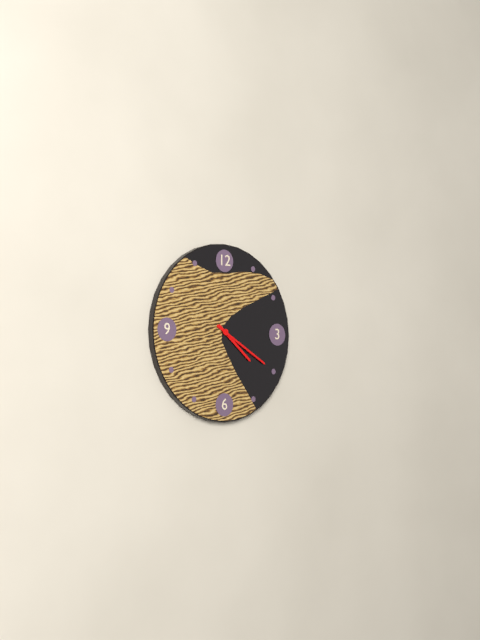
4:20
